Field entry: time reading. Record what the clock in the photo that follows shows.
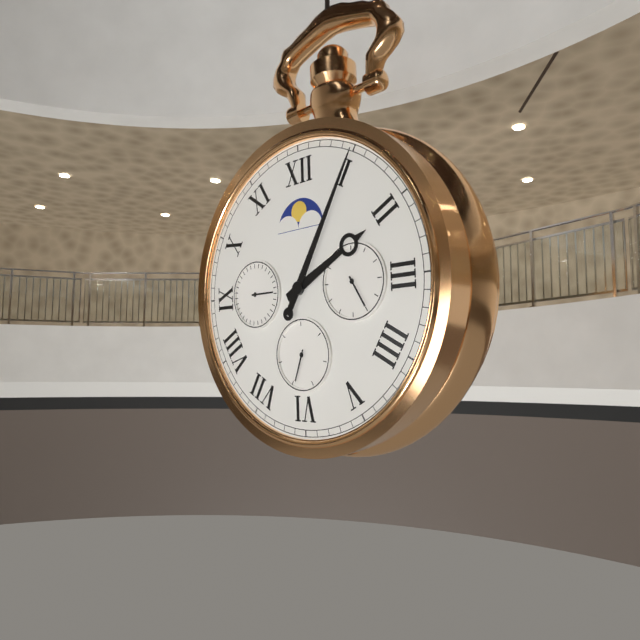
2:05
